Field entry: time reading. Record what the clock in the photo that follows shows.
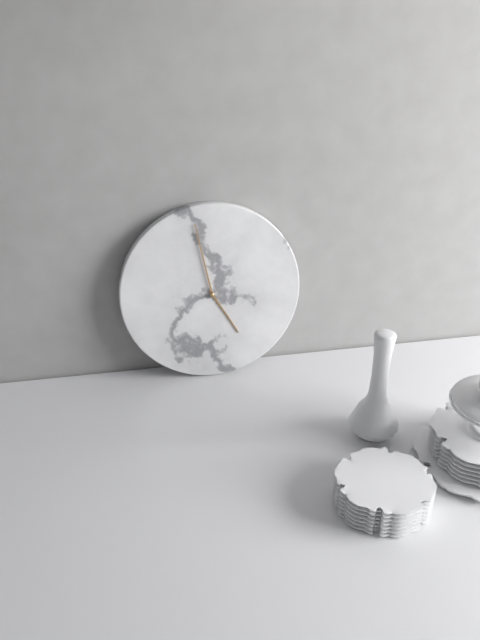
4:58
